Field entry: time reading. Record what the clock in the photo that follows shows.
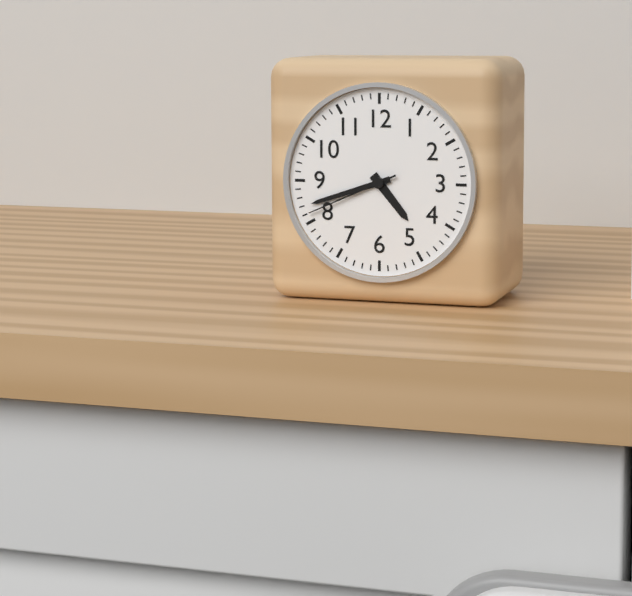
4:42:41
